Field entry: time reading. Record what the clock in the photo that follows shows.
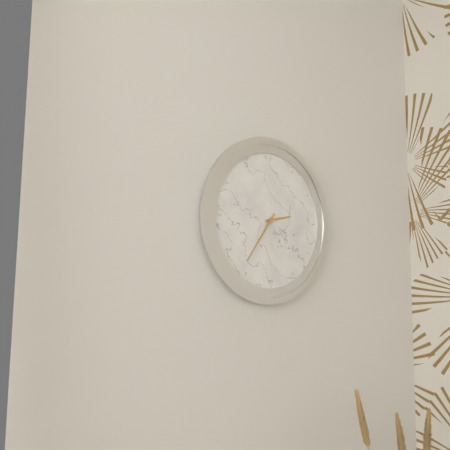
2:36
